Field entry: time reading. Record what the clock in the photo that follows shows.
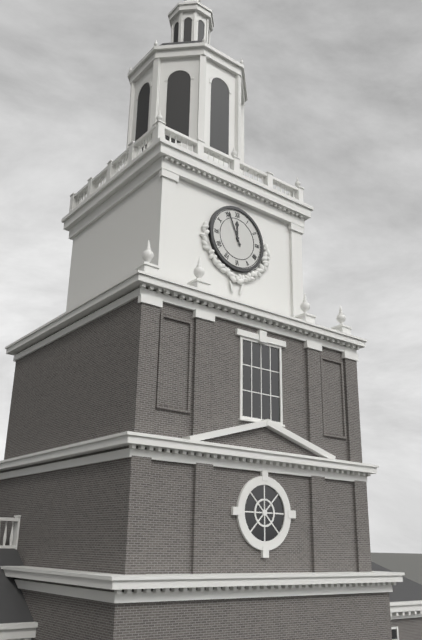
11:56
